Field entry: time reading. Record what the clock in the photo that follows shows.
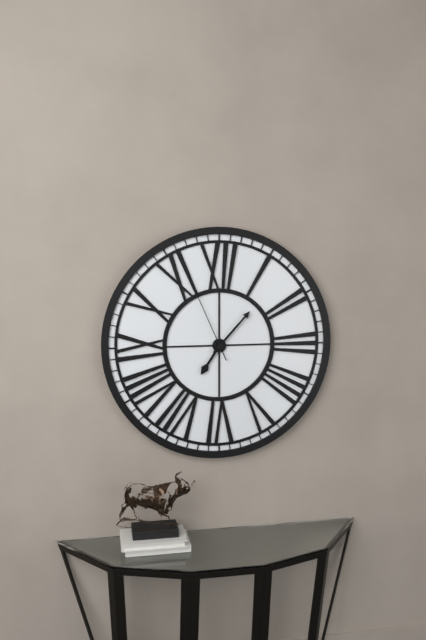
7:07:56
